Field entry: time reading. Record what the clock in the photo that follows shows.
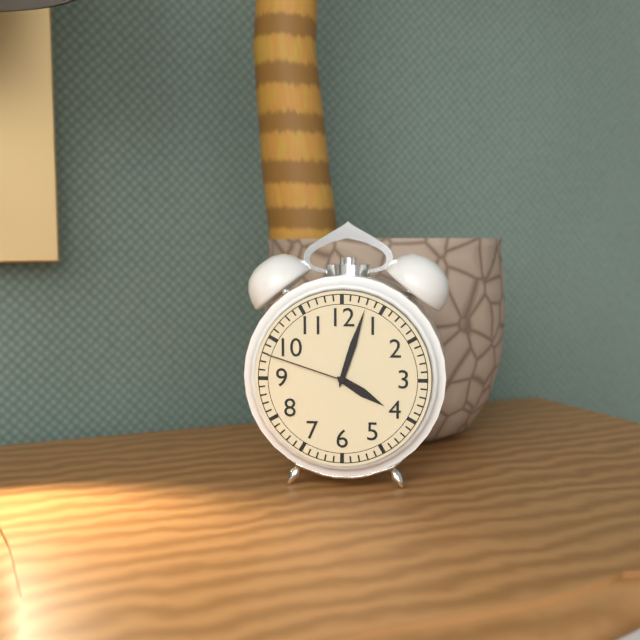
4:03:48
